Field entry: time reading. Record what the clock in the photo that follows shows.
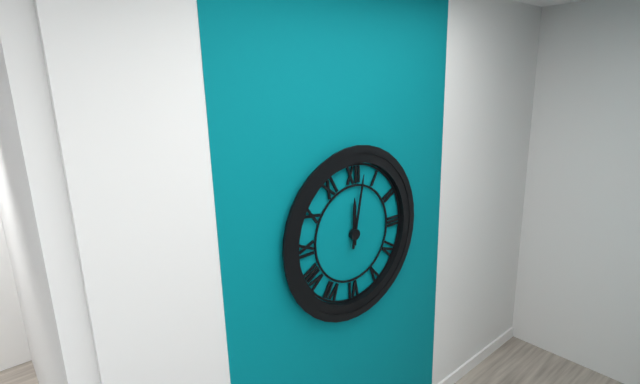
12:02
